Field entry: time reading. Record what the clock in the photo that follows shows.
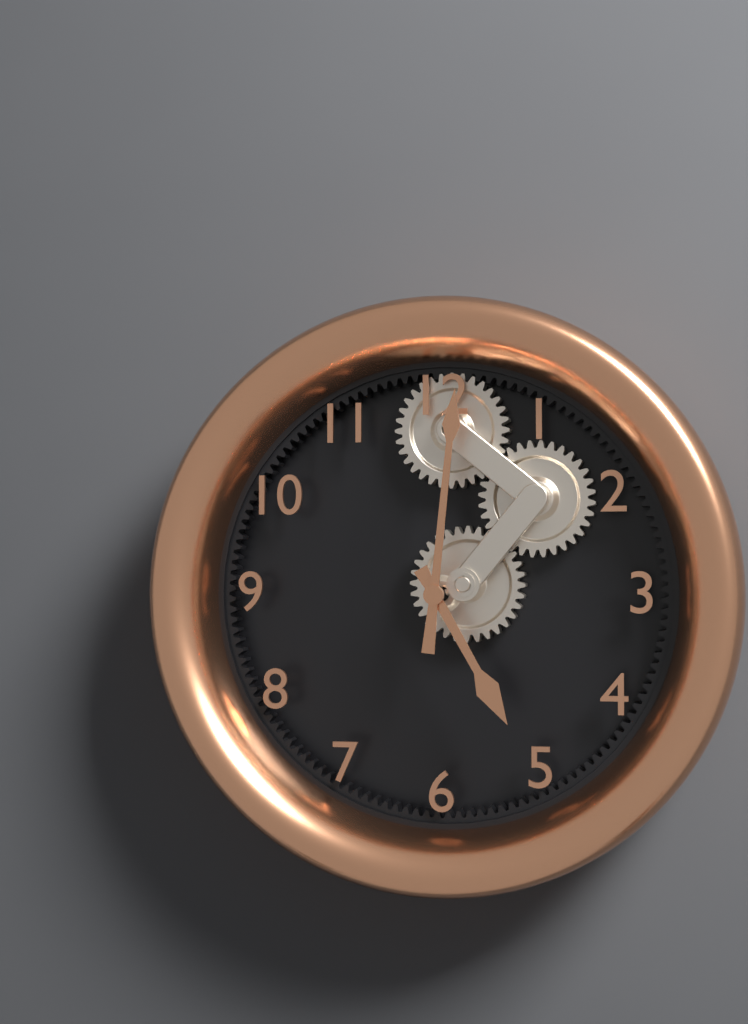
5:01
